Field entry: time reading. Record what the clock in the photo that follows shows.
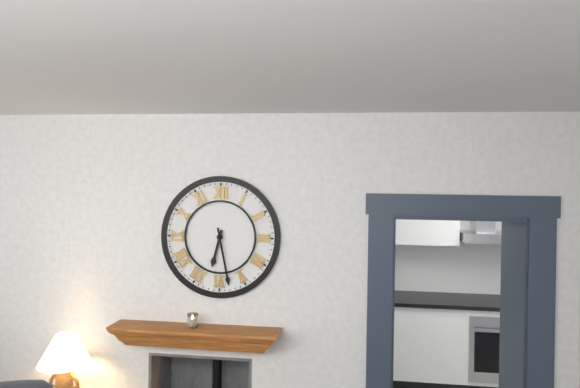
6:28
